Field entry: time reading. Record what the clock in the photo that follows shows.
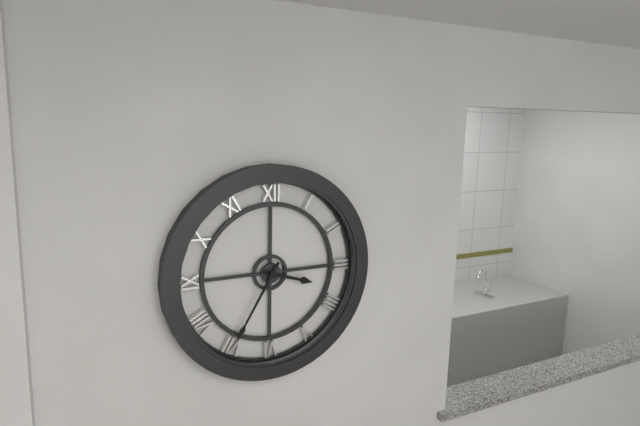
3:35
